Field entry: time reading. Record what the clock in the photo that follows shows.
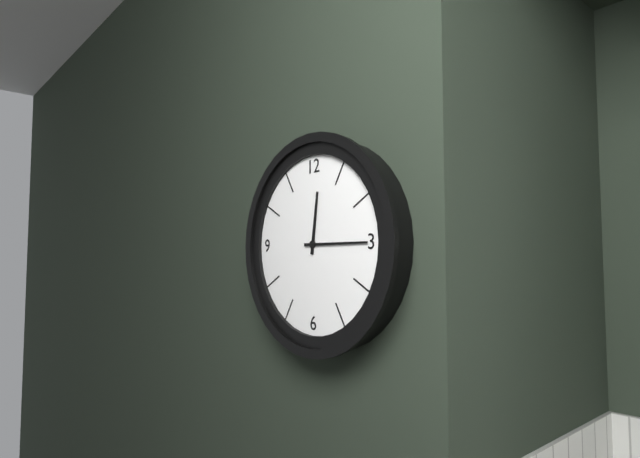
12:15
